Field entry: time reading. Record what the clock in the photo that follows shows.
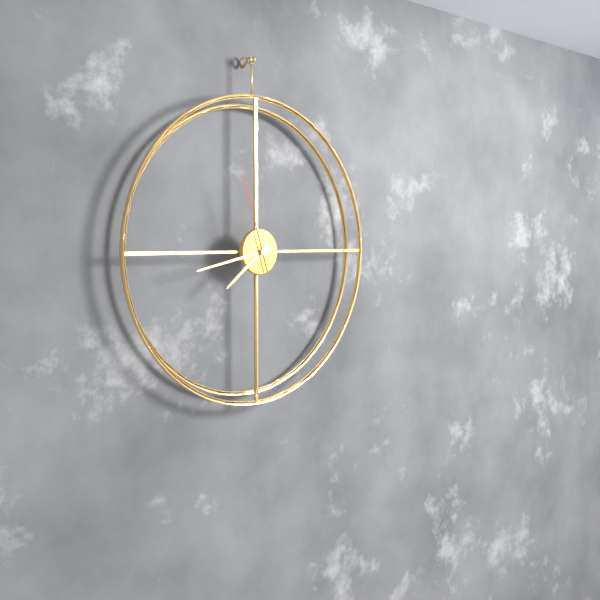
7:43:57
